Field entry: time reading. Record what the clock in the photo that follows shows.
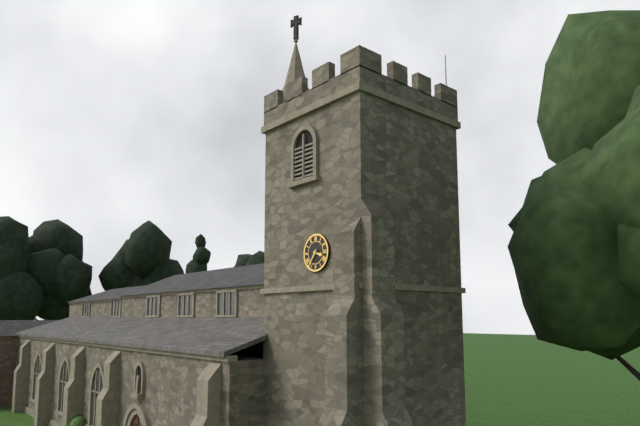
3:36
